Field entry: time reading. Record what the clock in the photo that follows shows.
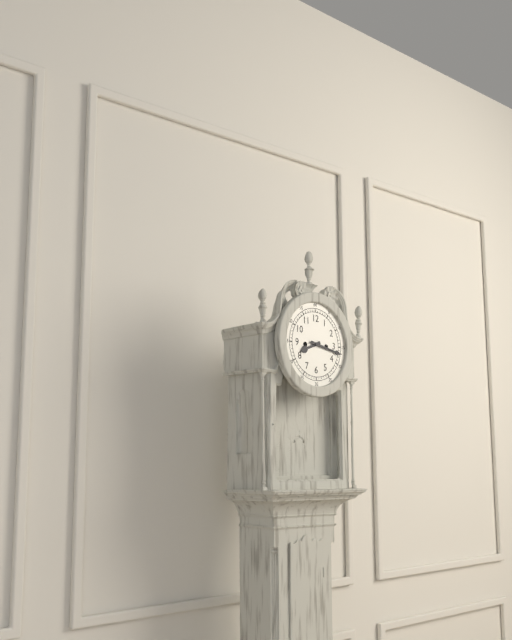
8:17
